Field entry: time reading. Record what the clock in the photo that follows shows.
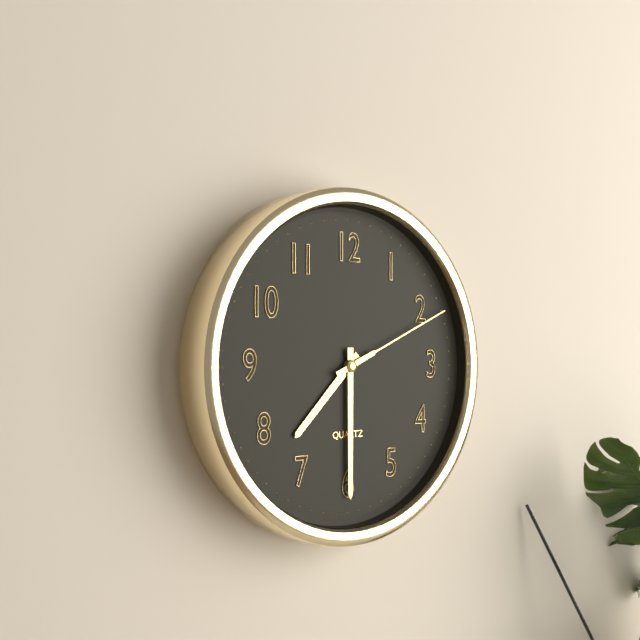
7:30:11
